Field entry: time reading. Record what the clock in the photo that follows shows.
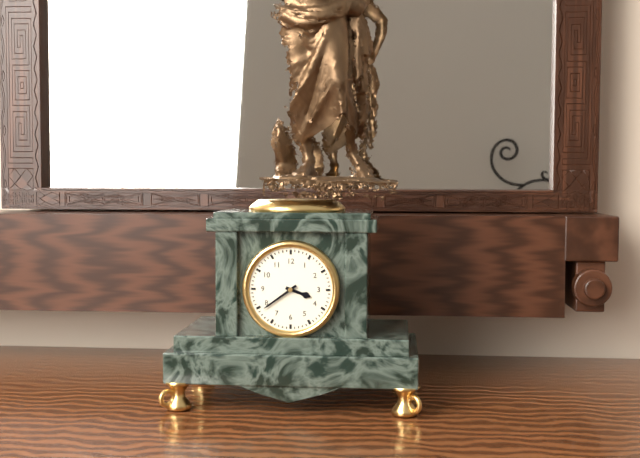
3:39
